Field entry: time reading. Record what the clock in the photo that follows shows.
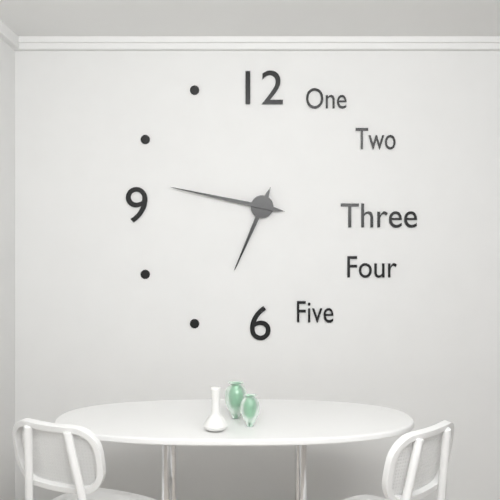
6:47
